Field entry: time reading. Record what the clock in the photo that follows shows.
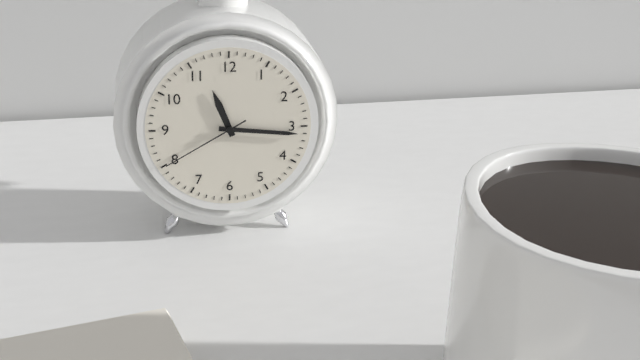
11:16:40
